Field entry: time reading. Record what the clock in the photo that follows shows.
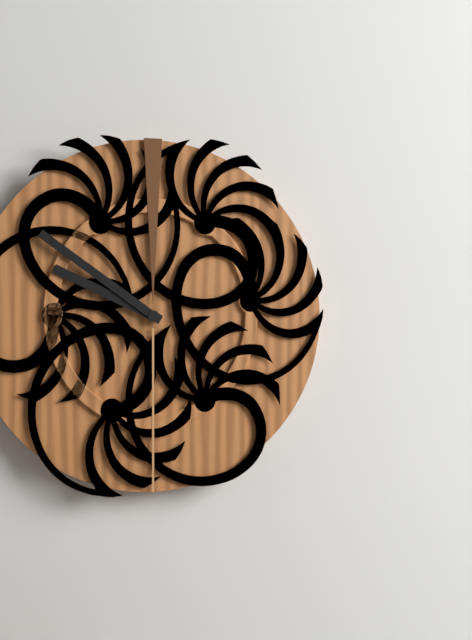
9:51
